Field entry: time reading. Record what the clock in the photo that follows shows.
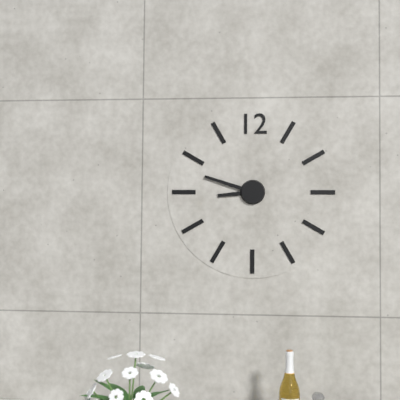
8:48
